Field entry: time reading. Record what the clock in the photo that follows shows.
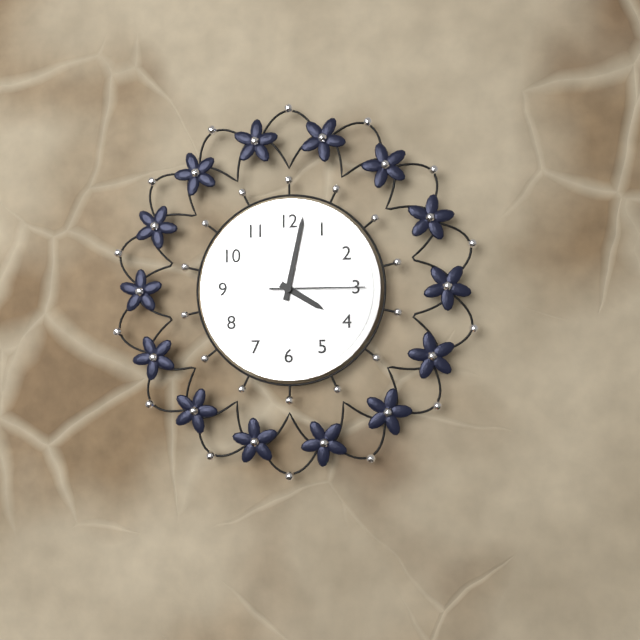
4:02:15
